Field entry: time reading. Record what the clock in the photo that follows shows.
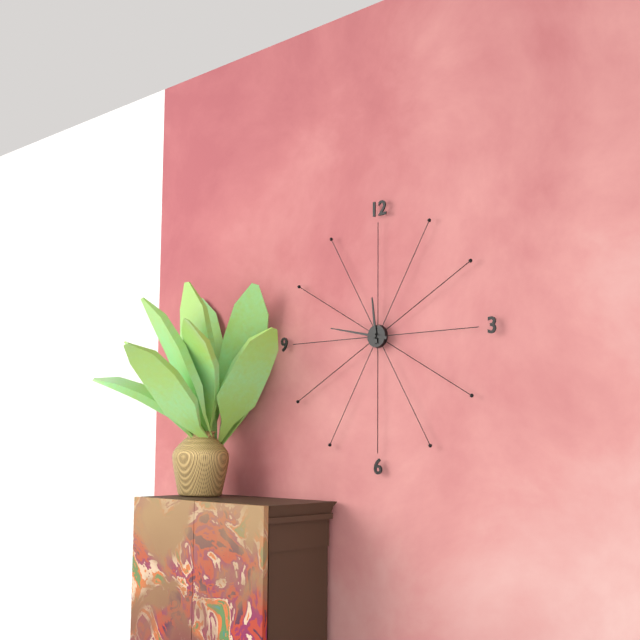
11:47
